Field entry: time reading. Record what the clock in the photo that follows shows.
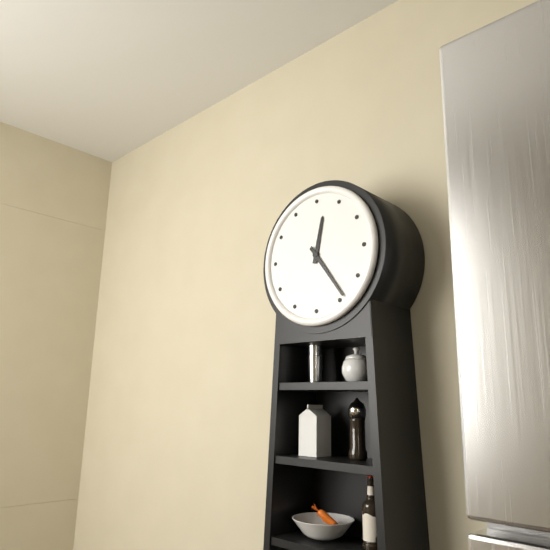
12:24
